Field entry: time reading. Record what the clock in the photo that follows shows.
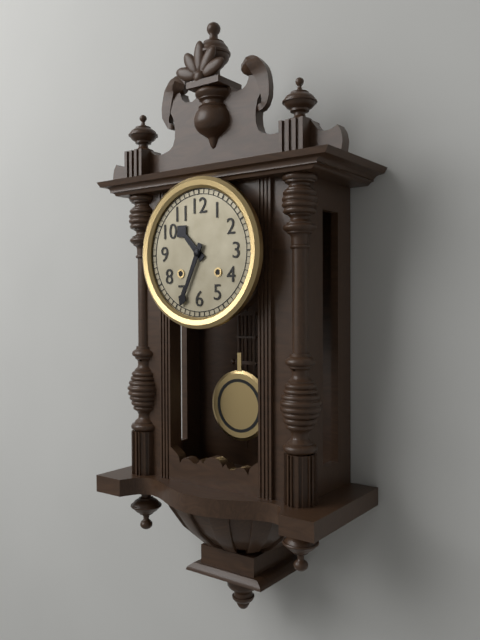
10:34
